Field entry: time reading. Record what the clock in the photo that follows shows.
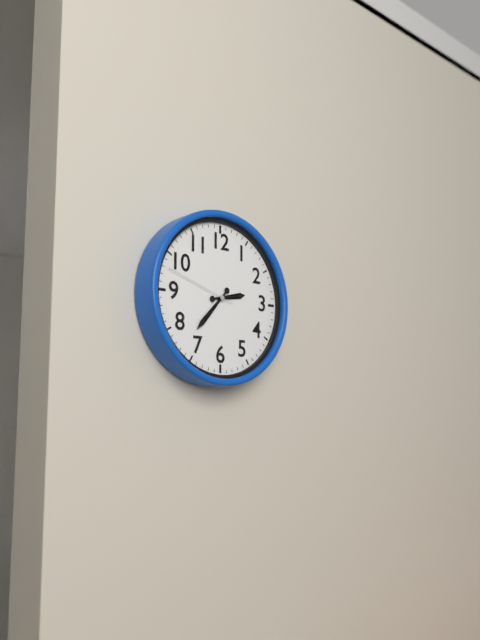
2:37:48
